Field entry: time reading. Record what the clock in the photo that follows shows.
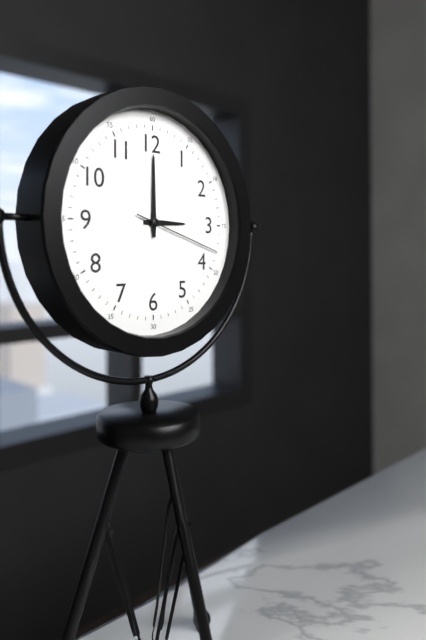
3:00:18
